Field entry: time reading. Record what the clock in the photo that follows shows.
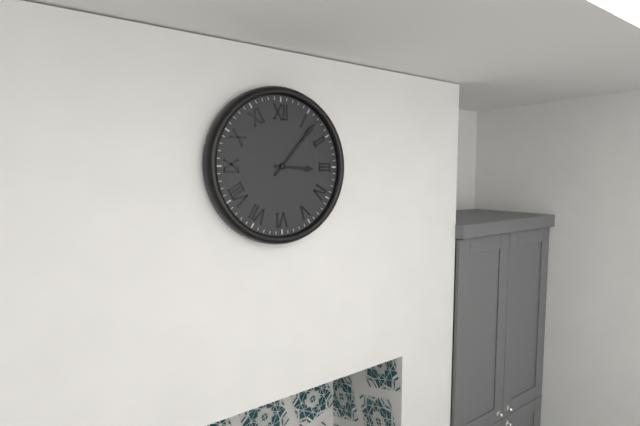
3:07
